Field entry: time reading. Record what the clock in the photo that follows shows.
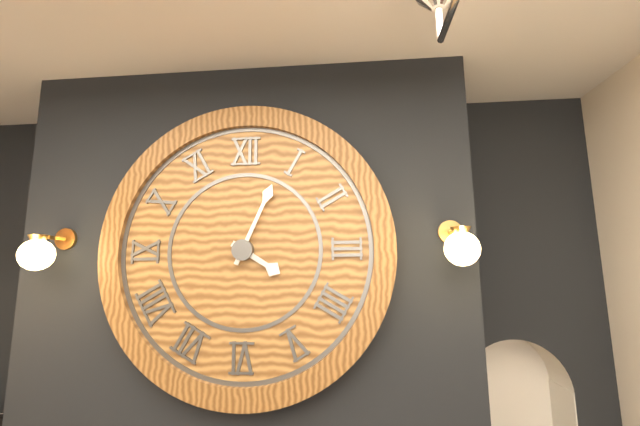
4:04
